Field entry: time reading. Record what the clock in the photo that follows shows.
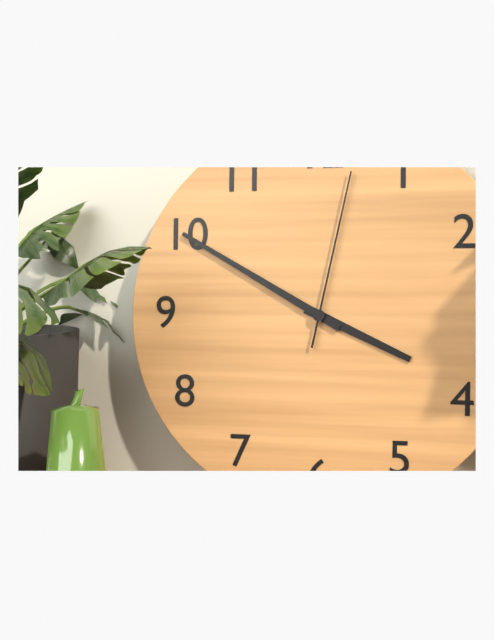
3:50:02
